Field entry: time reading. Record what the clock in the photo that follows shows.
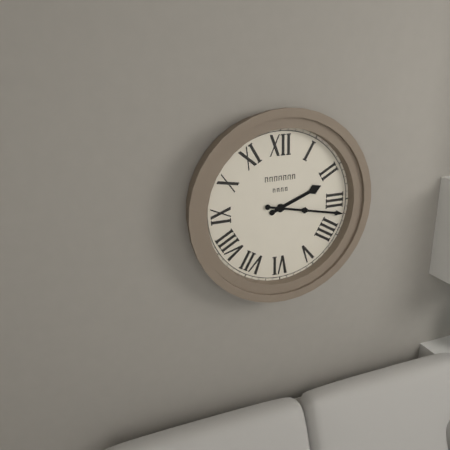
2:17
